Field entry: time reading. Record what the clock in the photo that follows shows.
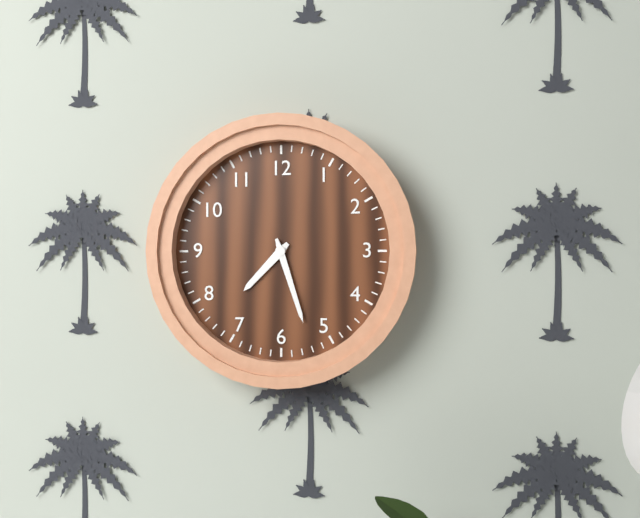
7:27
